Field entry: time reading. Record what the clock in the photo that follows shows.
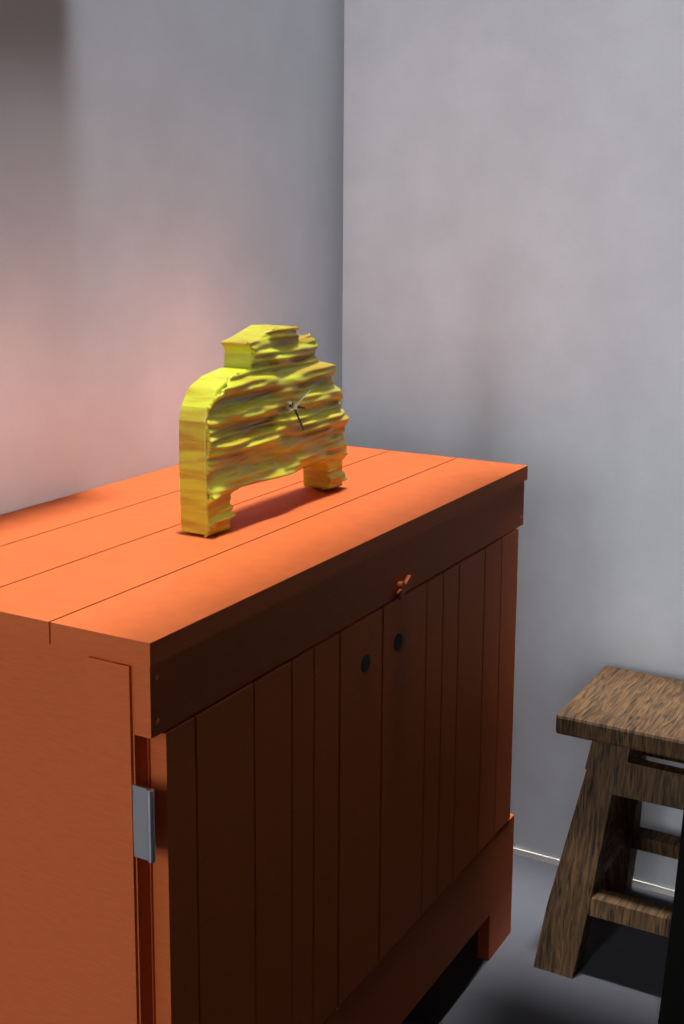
3:24
